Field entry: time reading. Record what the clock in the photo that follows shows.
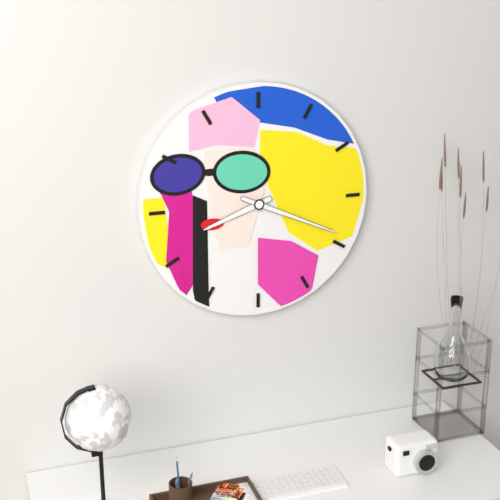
8:19
